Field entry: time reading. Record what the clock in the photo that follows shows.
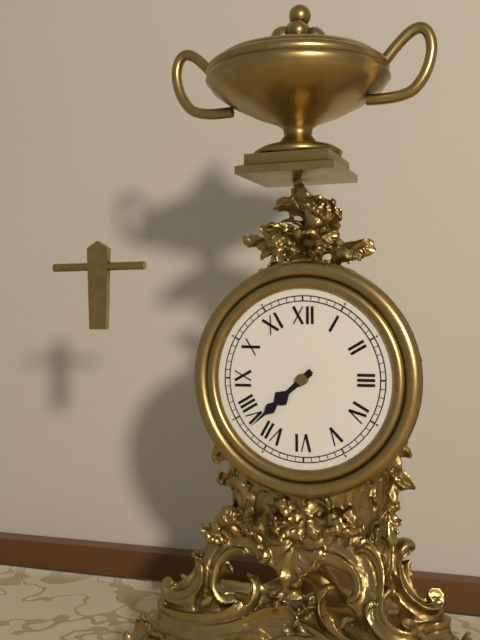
7:38
